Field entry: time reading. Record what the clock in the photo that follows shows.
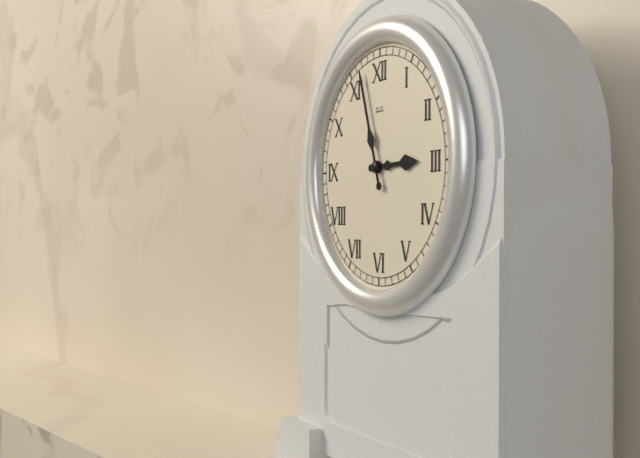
2:57
